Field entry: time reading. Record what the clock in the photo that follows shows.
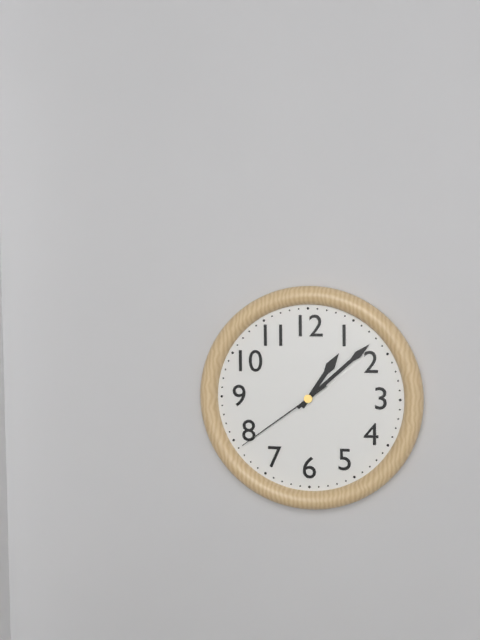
1:08:39
